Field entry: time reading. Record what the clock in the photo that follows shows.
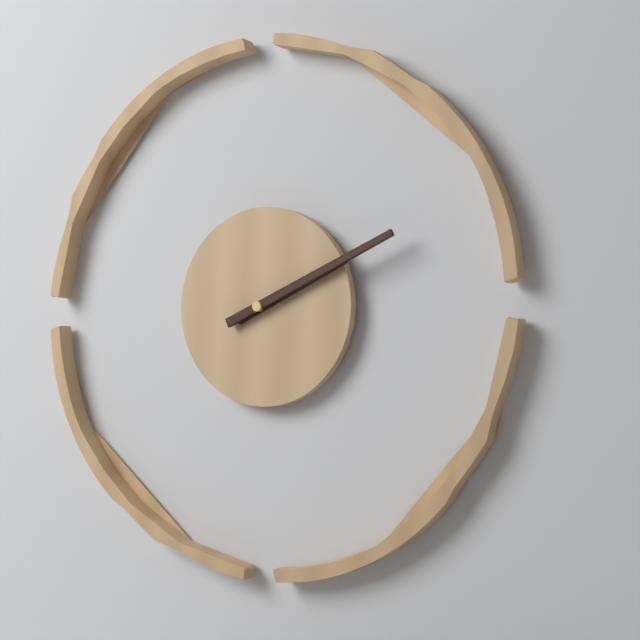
2:11
